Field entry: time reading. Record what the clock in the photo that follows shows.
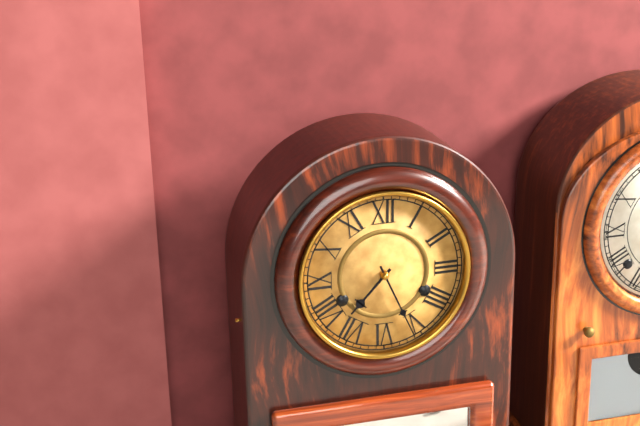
7:26
